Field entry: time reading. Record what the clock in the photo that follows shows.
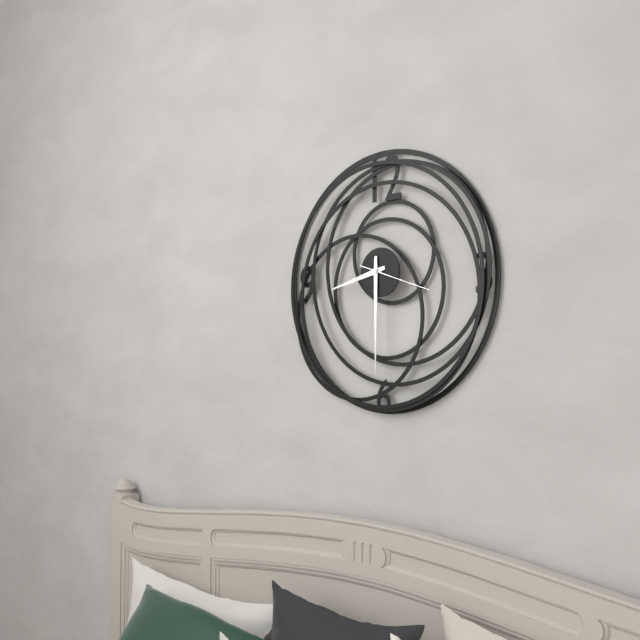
8:30:18
